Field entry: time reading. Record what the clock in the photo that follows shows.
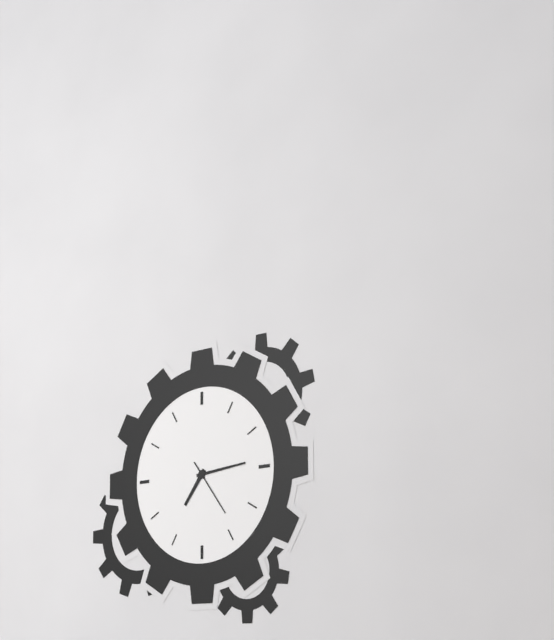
7:14:24
